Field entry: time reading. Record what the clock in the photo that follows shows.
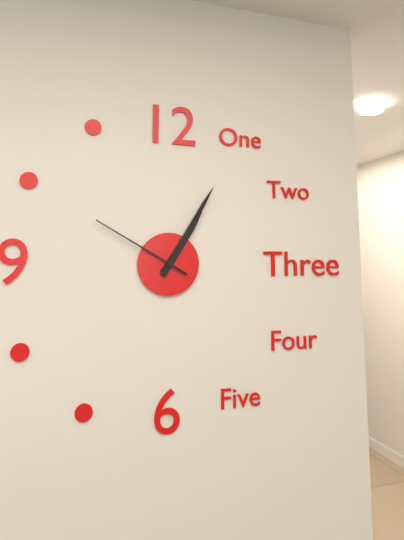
1:05:50
